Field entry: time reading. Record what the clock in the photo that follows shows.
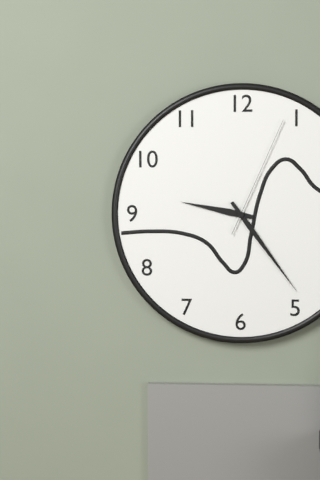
9:24:04
